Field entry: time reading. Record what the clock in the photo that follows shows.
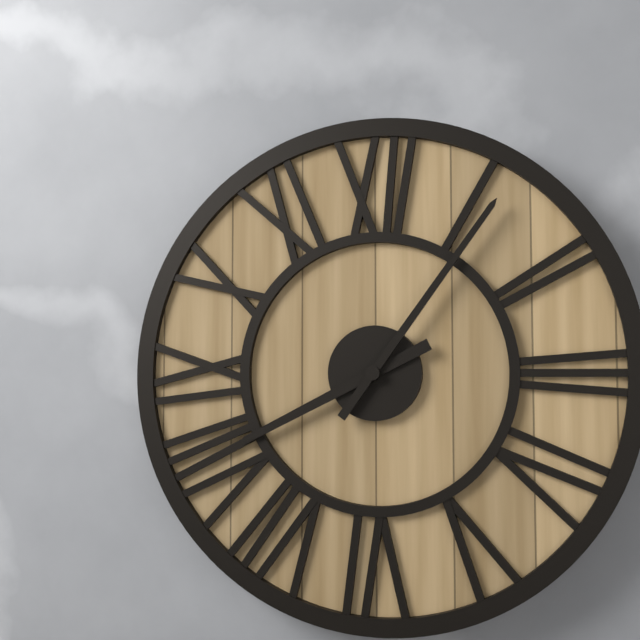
8:06
